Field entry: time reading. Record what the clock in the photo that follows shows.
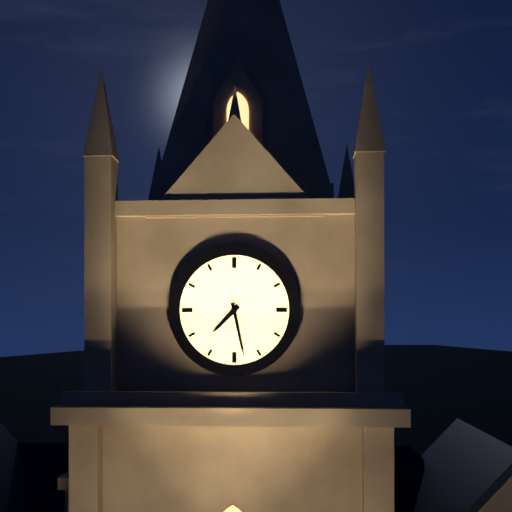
7:28
